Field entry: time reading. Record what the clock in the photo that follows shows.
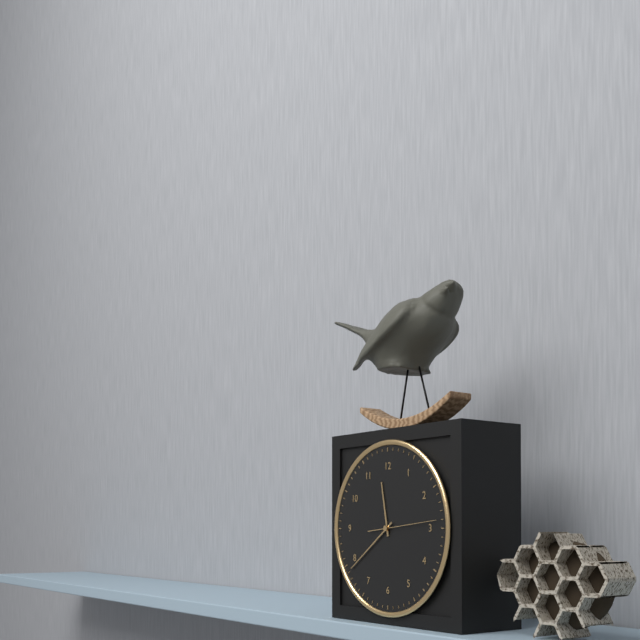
11:39:14
